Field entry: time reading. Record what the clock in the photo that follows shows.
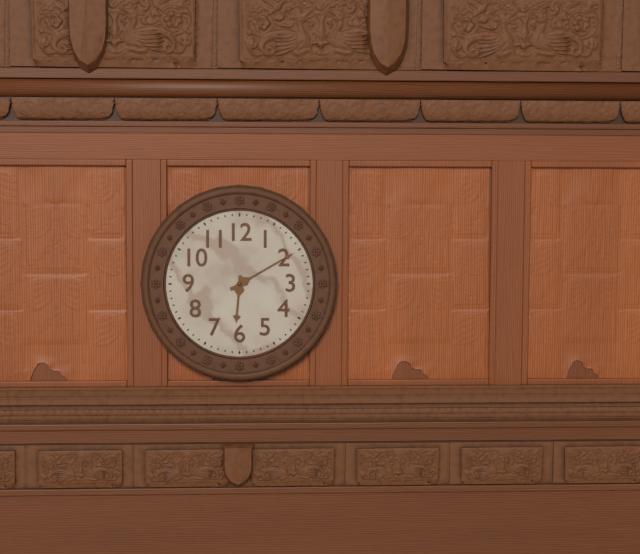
6:10
